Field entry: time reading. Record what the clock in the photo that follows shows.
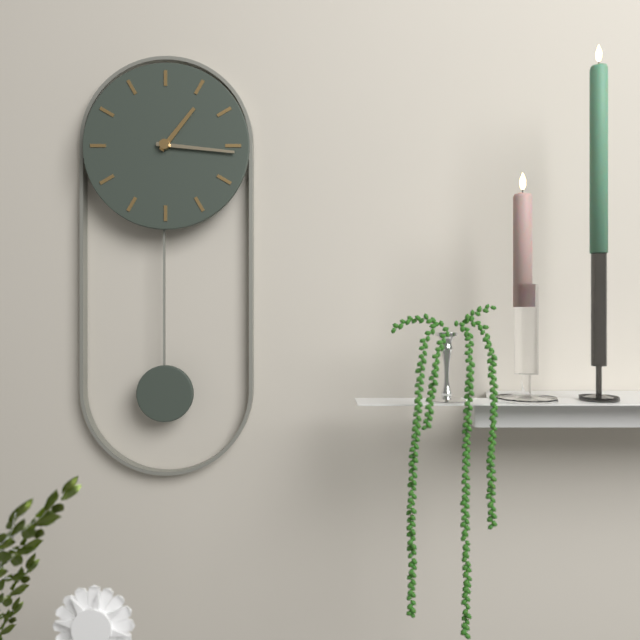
1:16
